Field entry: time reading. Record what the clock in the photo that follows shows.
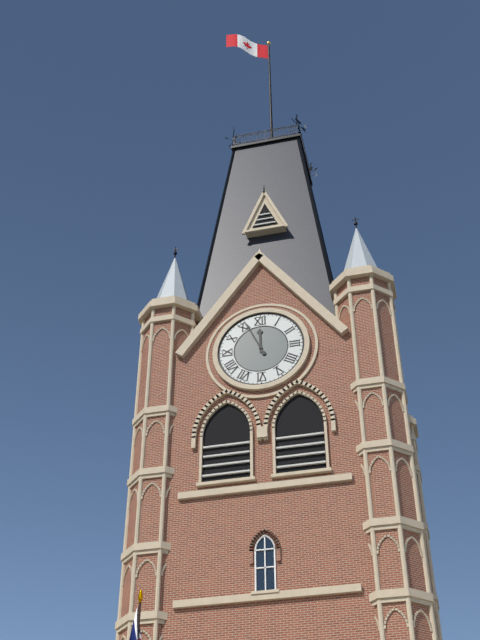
11:56
